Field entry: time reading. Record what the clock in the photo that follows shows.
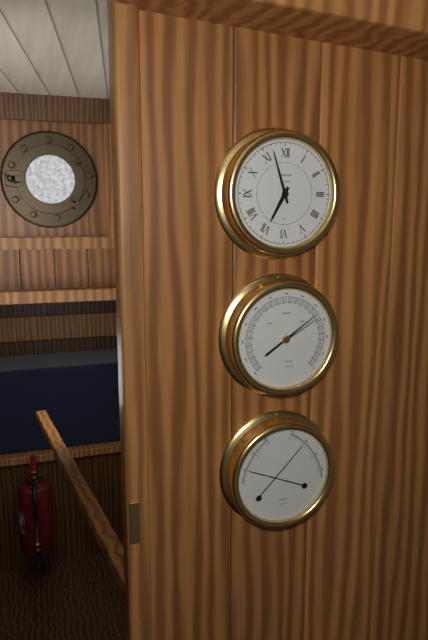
6:57
